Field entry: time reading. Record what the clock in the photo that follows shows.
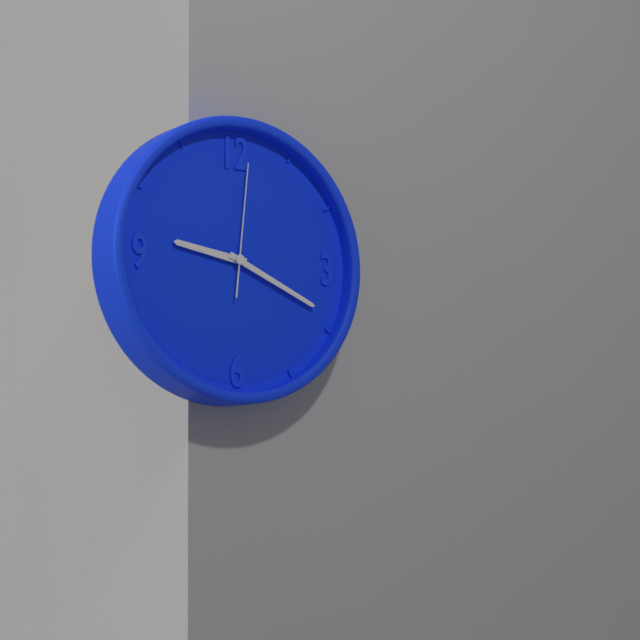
9:19:01
